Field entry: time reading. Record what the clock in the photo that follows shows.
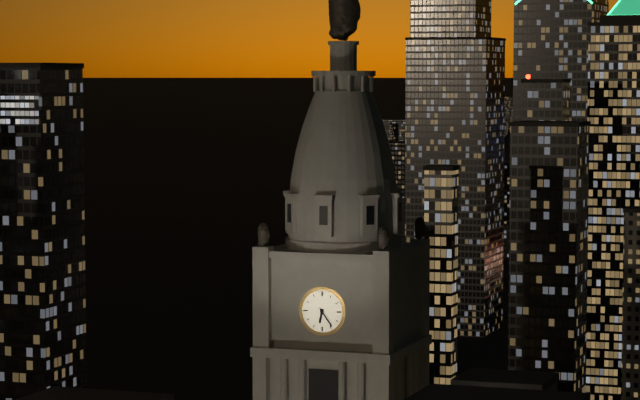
6:24
